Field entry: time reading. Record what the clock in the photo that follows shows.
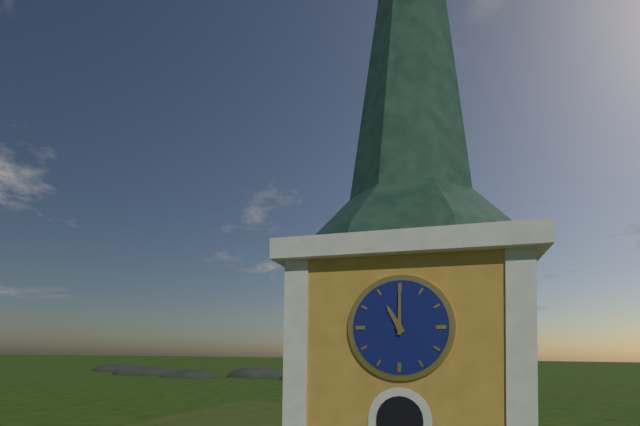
11:00
